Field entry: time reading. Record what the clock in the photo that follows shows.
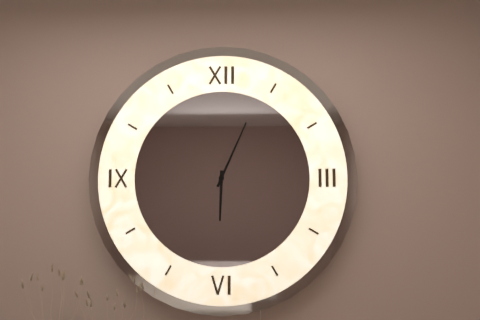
6:04
